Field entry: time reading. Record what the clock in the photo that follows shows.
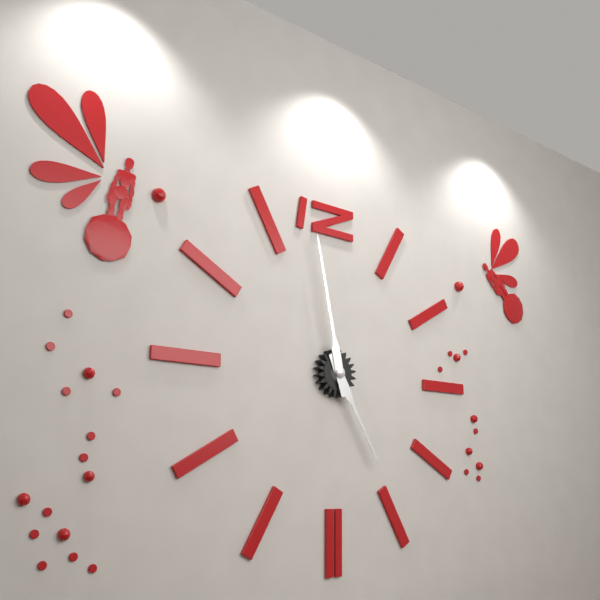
4:58
